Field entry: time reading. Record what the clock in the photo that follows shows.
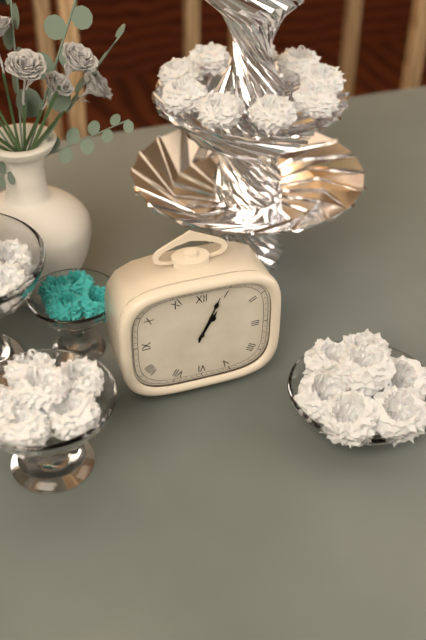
1:04
